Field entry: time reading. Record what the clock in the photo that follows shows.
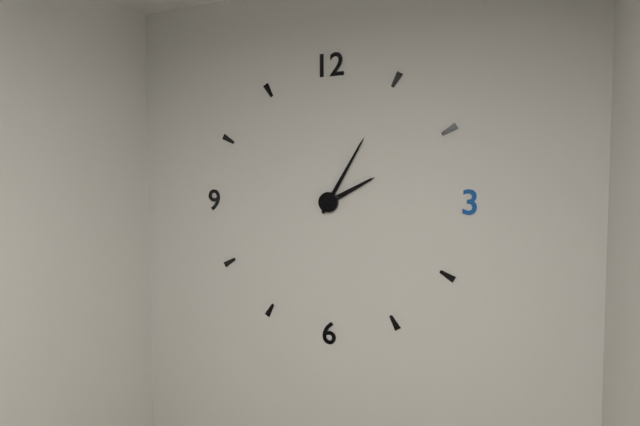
2:05
